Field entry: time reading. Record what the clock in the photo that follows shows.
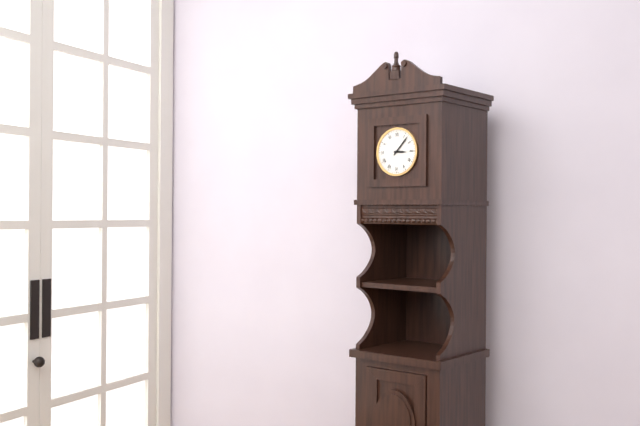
3:07
